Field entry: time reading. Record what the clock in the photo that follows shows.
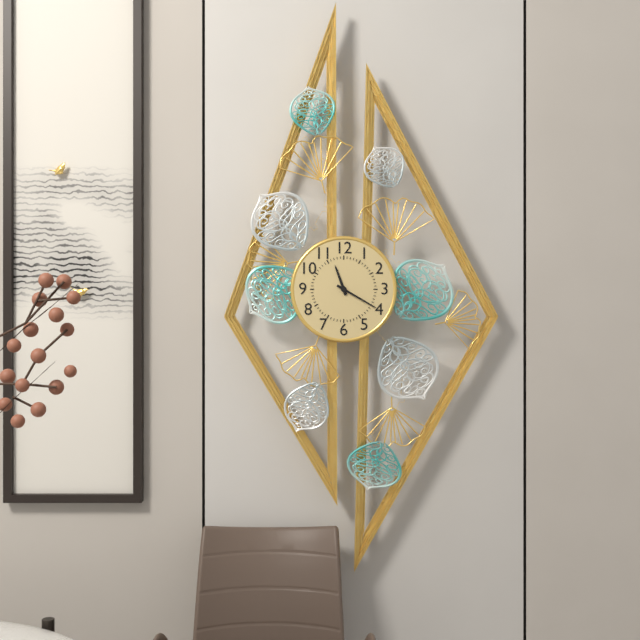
11:20
